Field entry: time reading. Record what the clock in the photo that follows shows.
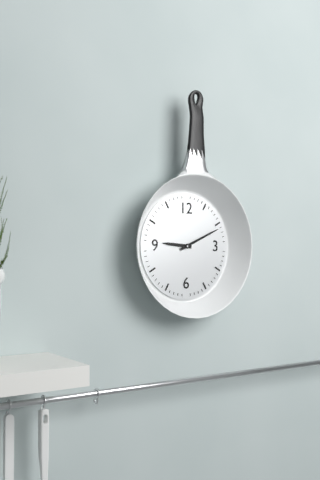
9:11
